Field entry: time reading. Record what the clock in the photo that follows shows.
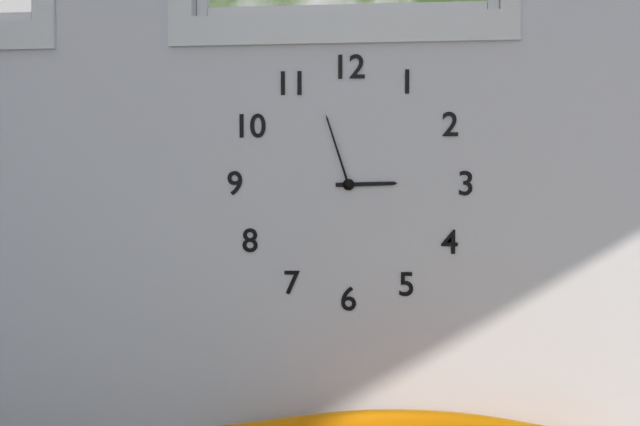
2:57
